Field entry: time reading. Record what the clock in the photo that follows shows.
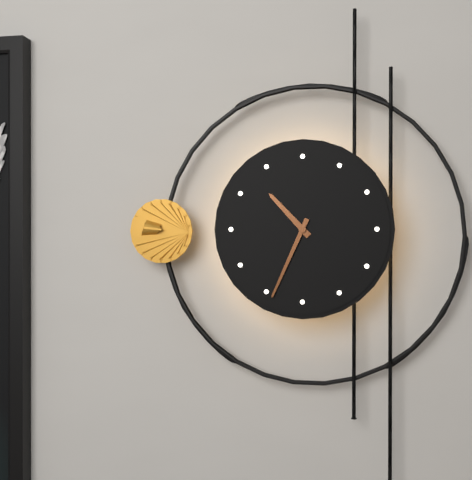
10:34
